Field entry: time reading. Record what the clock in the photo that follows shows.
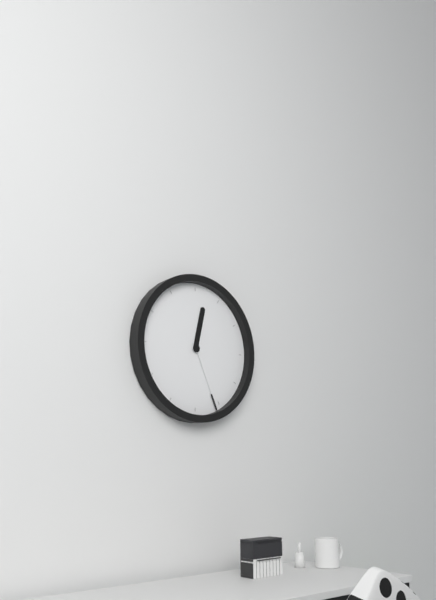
12:26
